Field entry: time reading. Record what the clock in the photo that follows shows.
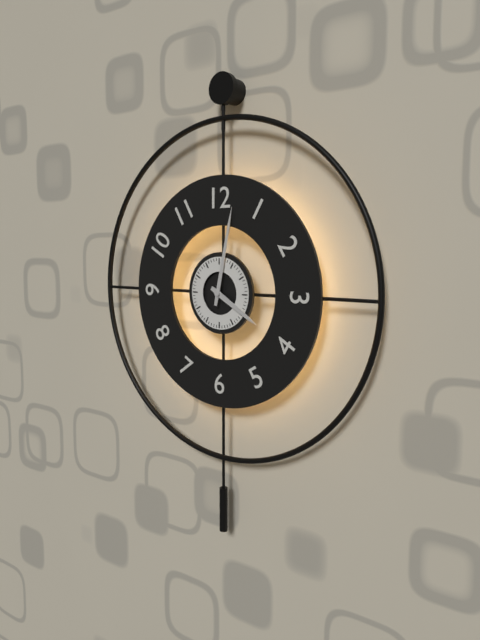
4:02
